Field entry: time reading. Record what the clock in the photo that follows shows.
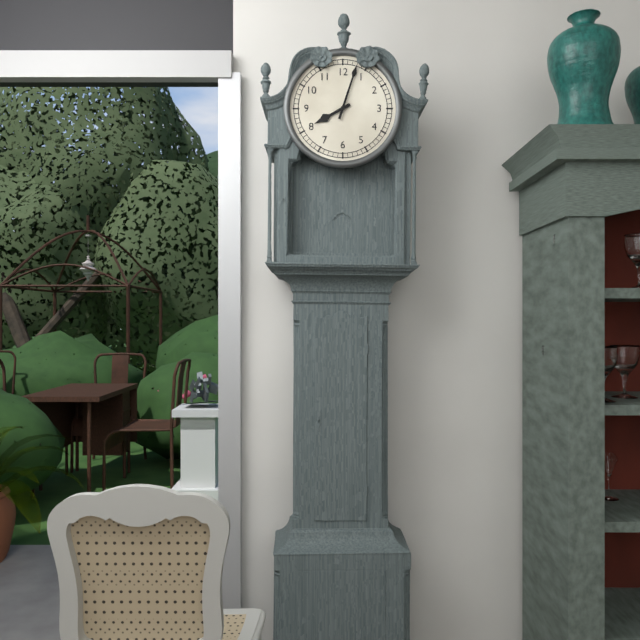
8:03
